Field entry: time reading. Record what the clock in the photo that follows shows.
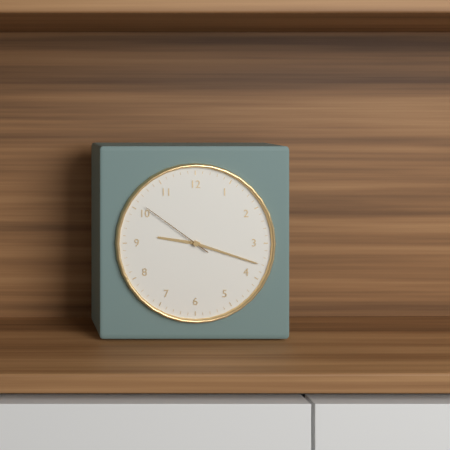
9:18:51
